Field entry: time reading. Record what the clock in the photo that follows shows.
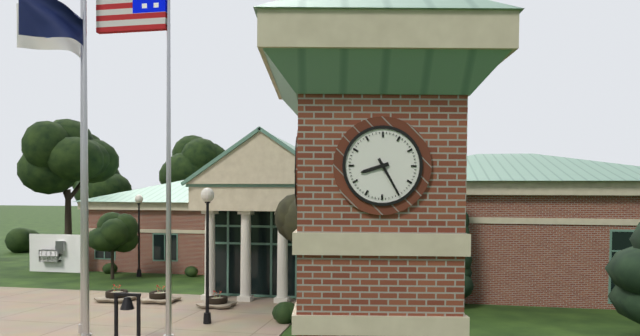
8:25
